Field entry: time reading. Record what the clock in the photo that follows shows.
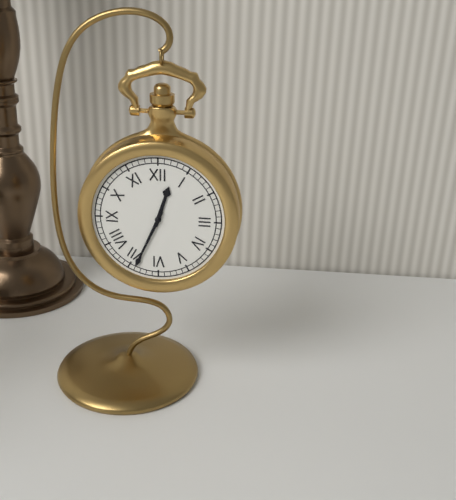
12:34
